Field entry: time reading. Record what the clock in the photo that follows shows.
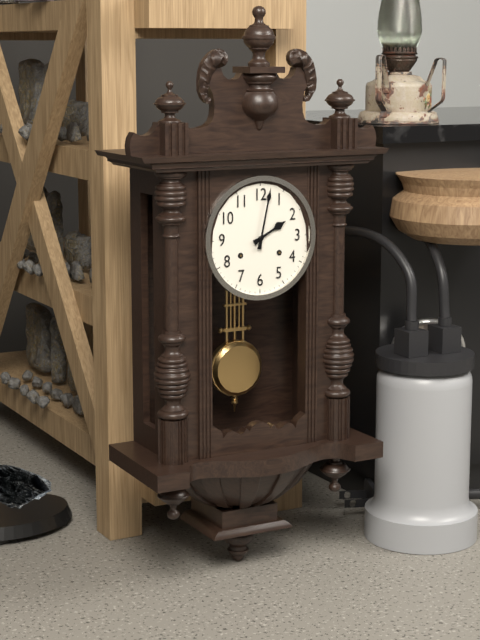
2:02
